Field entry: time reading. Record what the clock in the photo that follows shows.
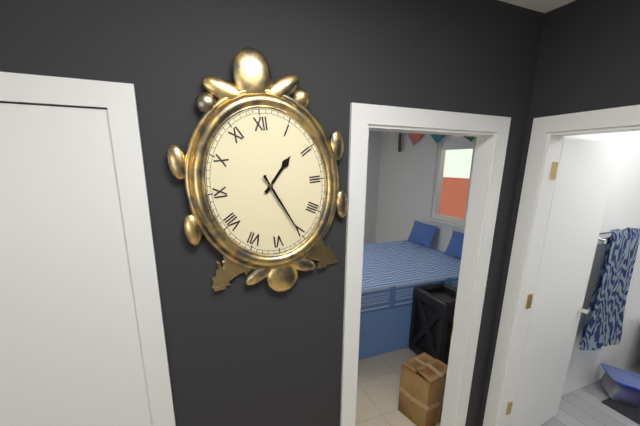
1:26
